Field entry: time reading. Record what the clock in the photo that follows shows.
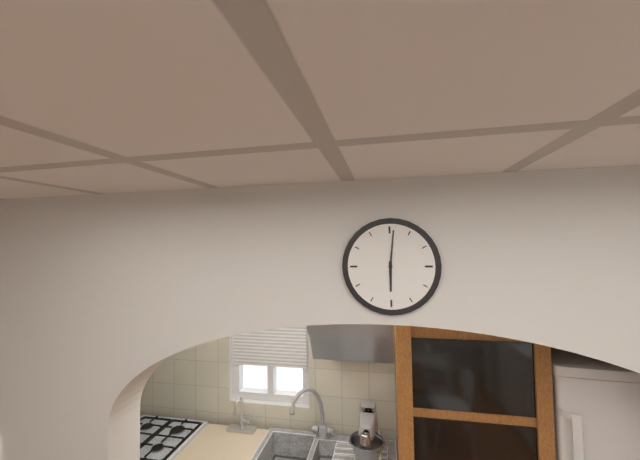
6:01
